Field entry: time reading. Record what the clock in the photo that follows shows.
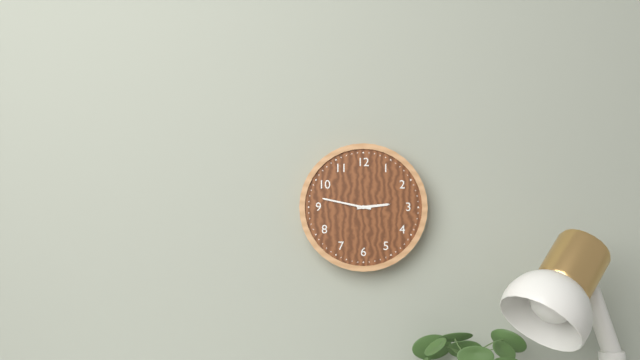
2:47
